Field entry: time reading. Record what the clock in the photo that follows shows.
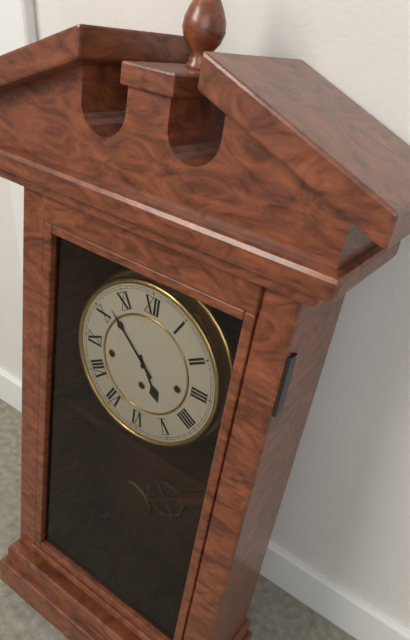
4:52
